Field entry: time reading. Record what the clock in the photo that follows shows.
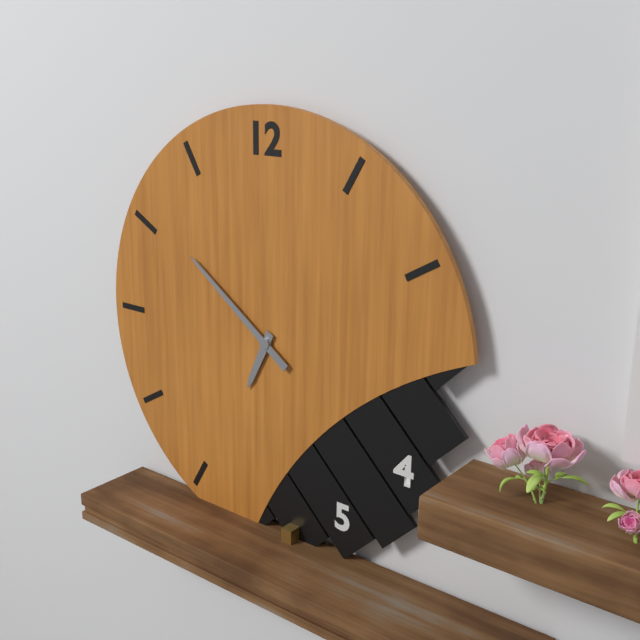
6:51
